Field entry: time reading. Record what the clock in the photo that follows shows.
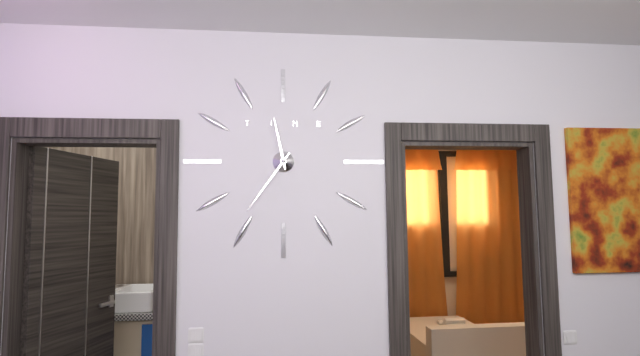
11:36
